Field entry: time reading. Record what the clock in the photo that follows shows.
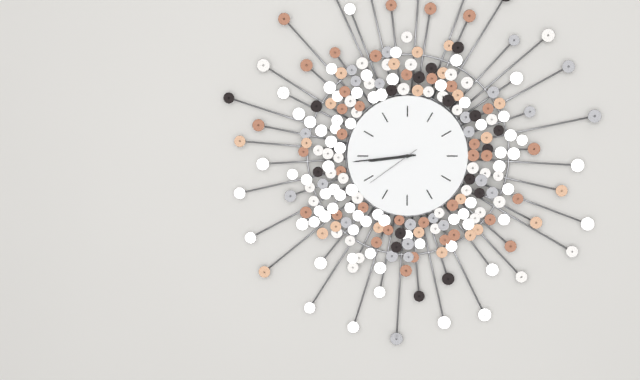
8:44:39
